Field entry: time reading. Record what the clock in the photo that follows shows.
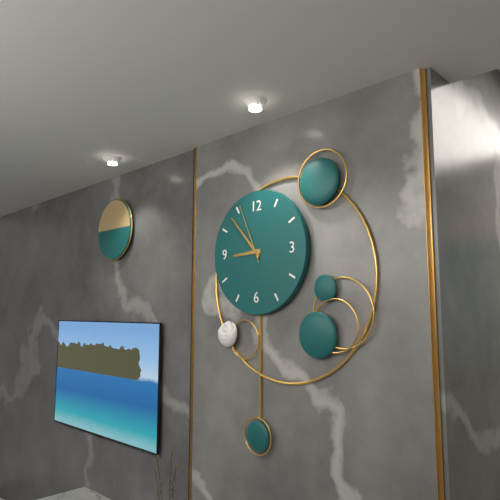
8:53:56
